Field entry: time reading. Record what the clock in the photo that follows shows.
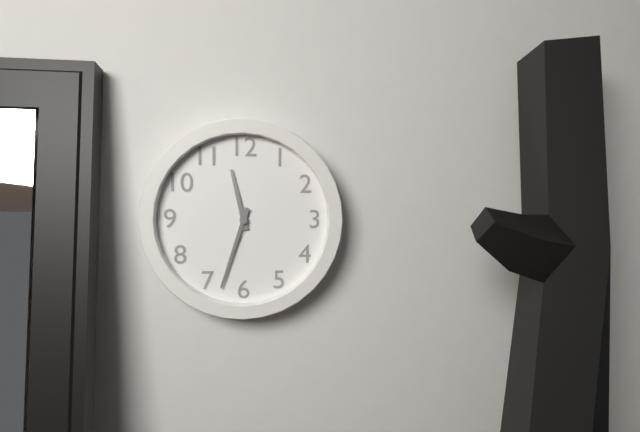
11:33
